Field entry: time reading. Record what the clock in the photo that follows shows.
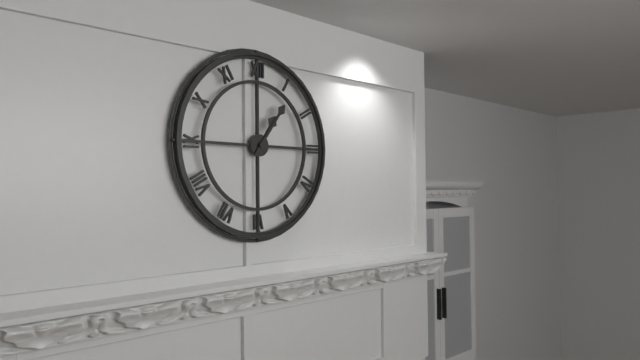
1:06
